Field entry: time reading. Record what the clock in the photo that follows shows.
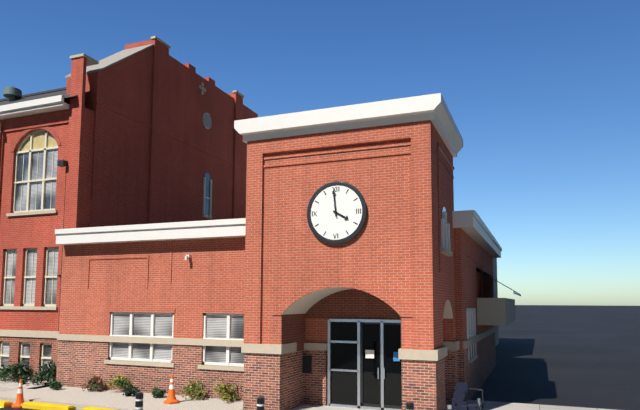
3:59
